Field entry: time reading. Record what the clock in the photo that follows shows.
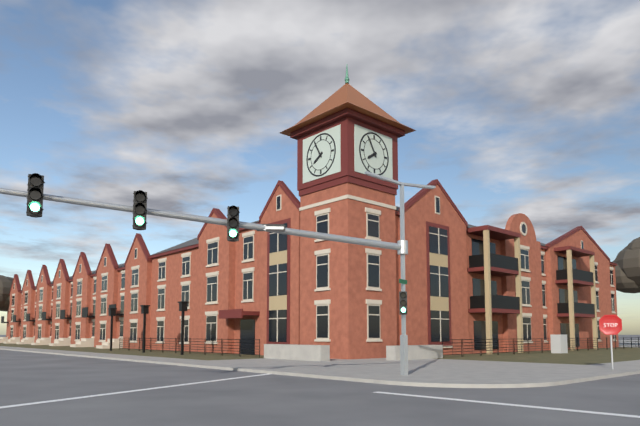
7:55
